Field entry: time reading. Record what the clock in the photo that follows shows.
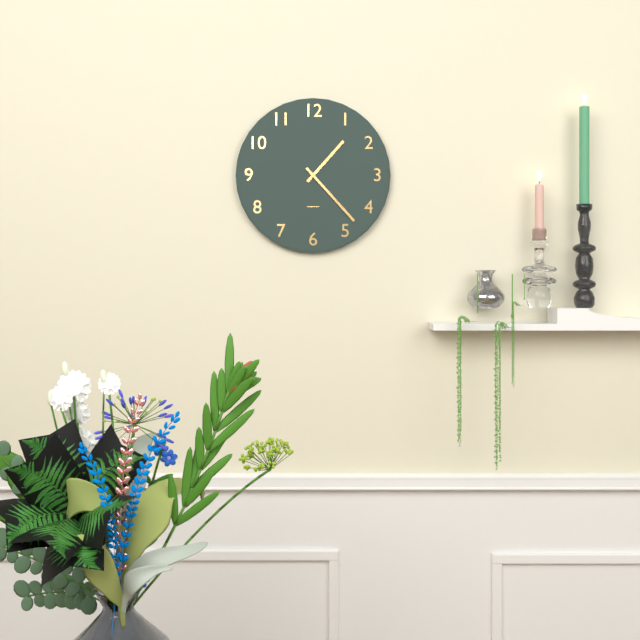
1:23
